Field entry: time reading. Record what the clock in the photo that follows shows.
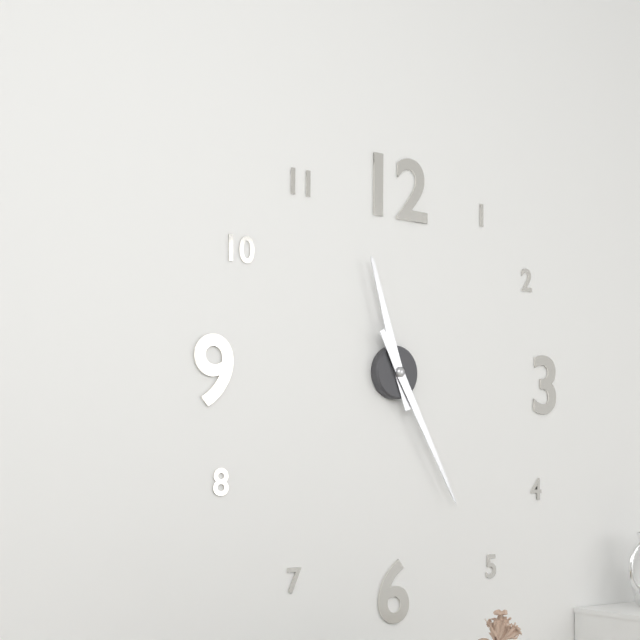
11:25
